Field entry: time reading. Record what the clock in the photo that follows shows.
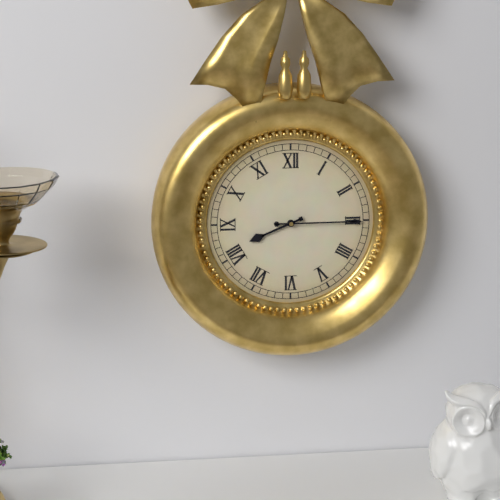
8:15
